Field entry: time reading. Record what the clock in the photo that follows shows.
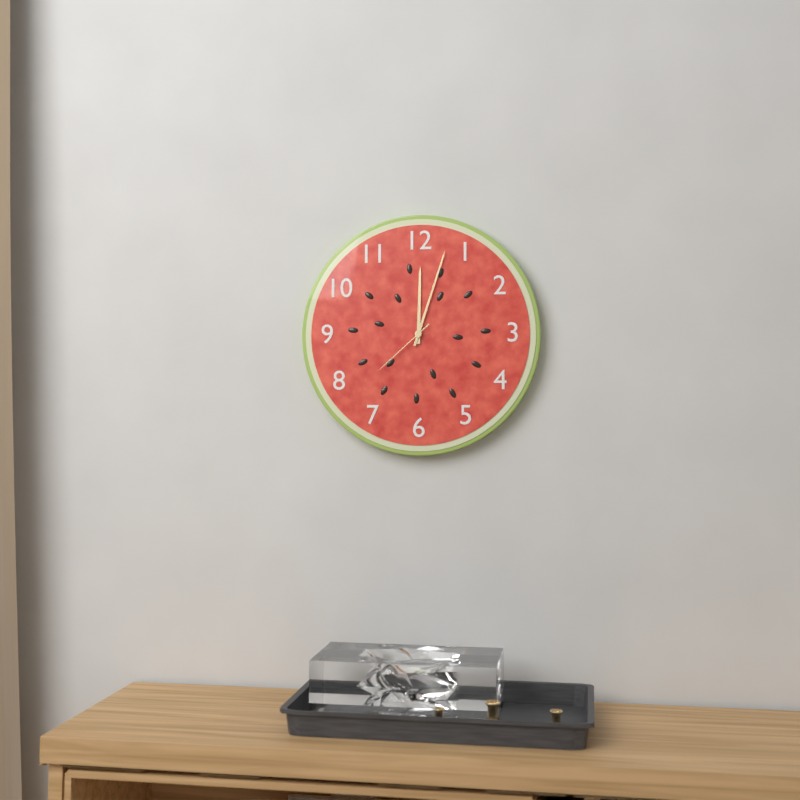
12:03:38
